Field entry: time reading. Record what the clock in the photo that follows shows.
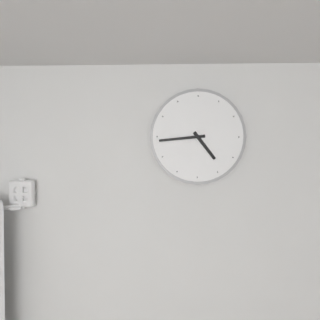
4:44
